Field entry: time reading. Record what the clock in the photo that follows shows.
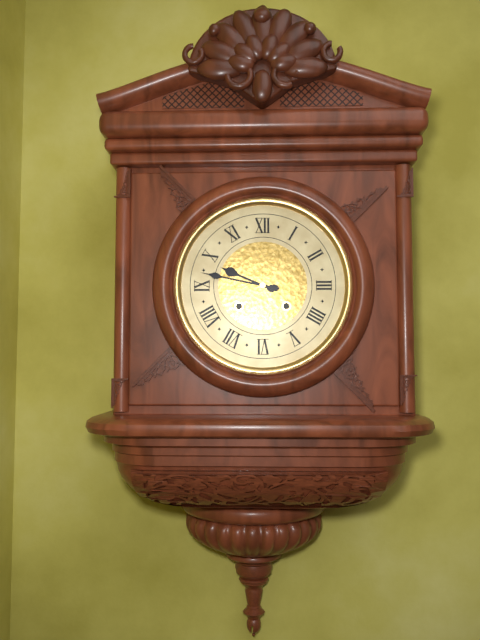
9:47
